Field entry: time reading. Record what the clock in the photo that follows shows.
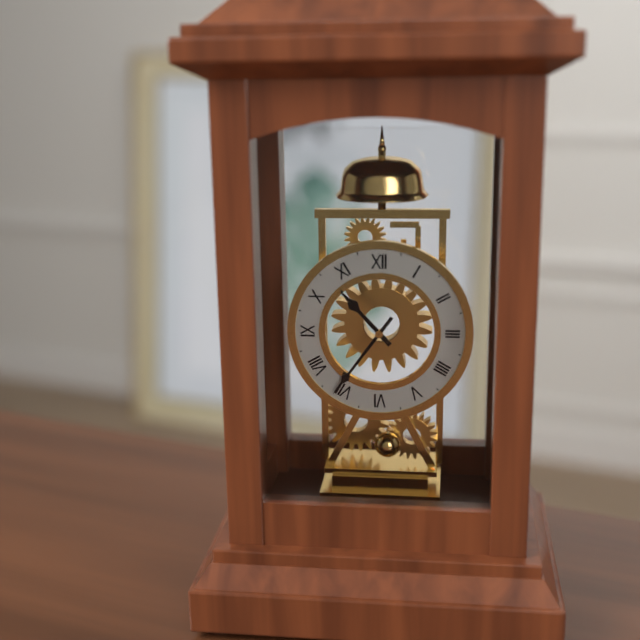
10:36
